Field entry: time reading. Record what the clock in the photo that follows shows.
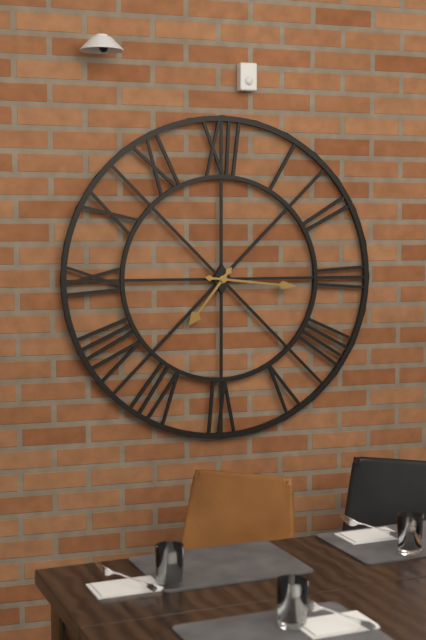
7:16
